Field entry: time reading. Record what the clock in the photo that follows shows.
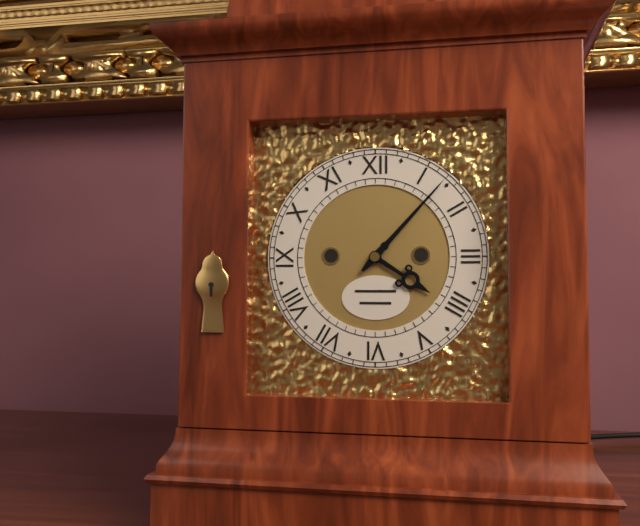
4:07
